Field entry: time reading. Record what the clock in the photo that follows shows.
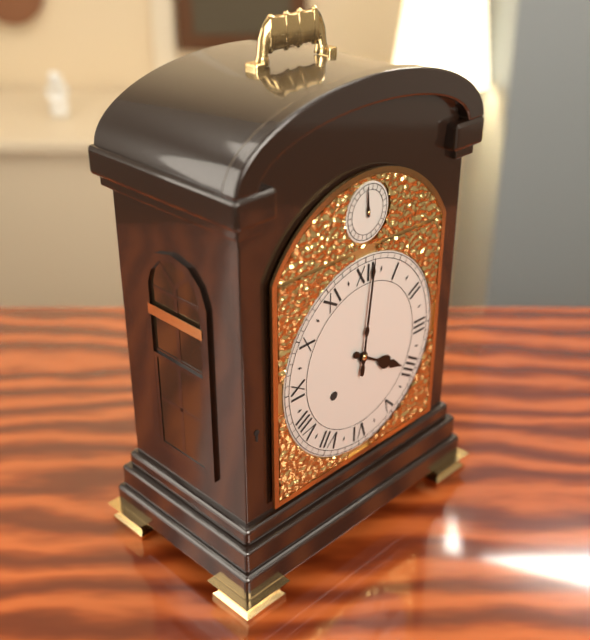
4:01
